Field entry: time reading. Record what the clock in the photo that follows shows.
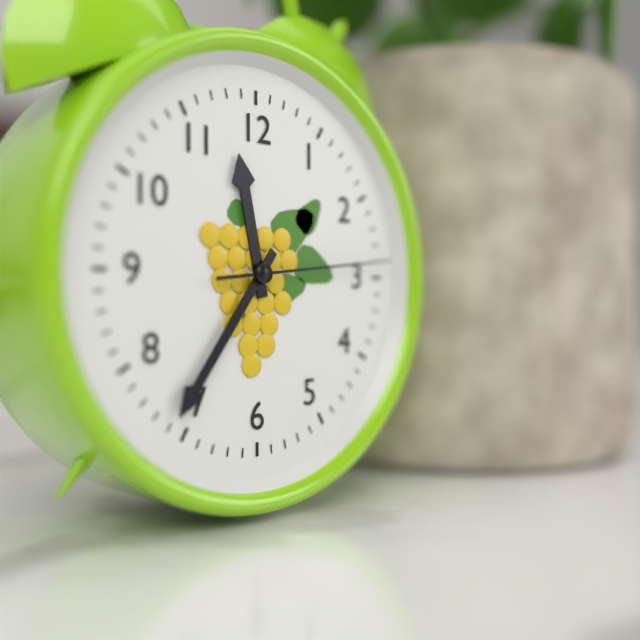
11:36:14
